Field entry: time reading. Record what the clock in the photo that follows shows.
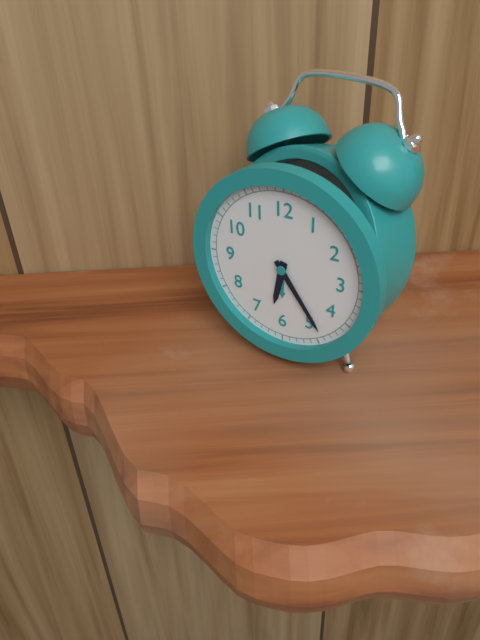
6:24
